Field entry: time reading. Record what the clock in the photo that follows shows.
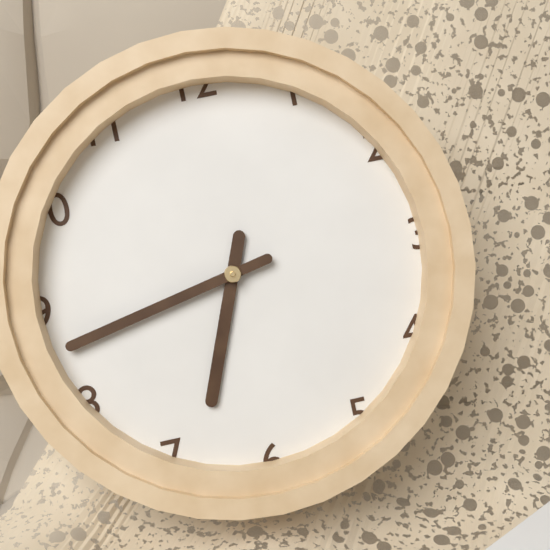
6:43
